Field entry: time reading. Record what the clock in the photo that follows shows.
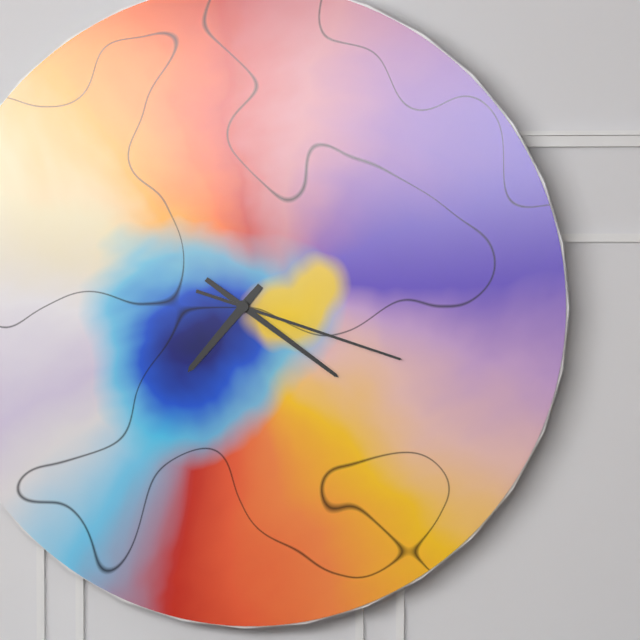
7:21:18
